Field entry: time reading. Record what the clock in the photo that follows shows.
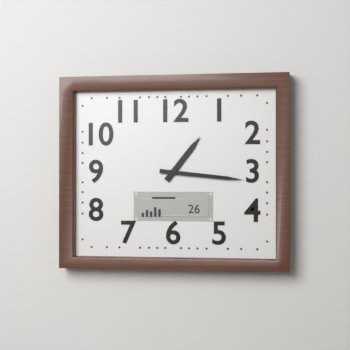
1:16
